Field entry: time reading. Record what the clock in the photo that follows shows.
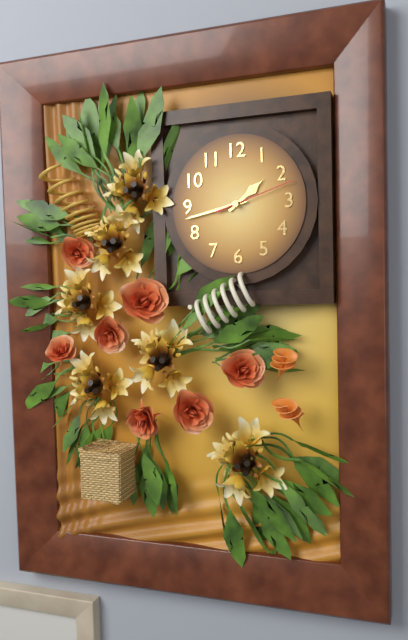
1:43:12
